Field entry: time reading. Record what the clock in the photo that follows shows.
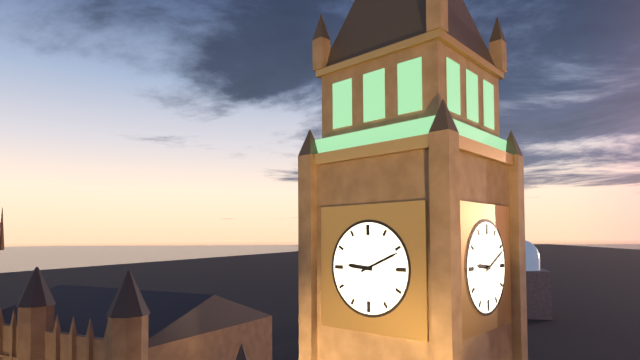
9:11
